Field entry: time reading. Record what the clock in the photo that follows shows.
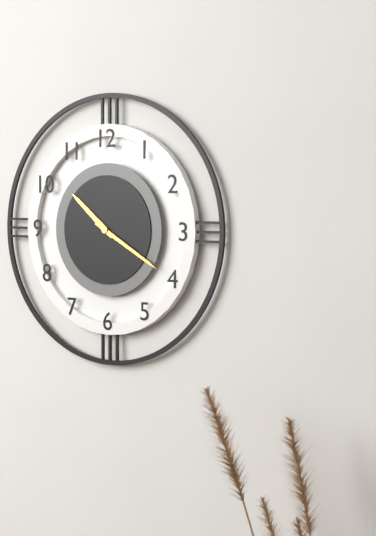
10:20
